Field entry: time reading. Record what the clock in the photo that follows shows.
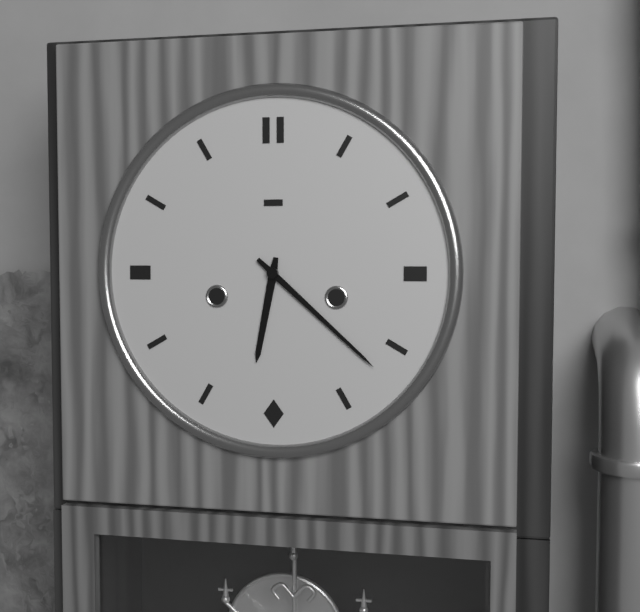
6:22
